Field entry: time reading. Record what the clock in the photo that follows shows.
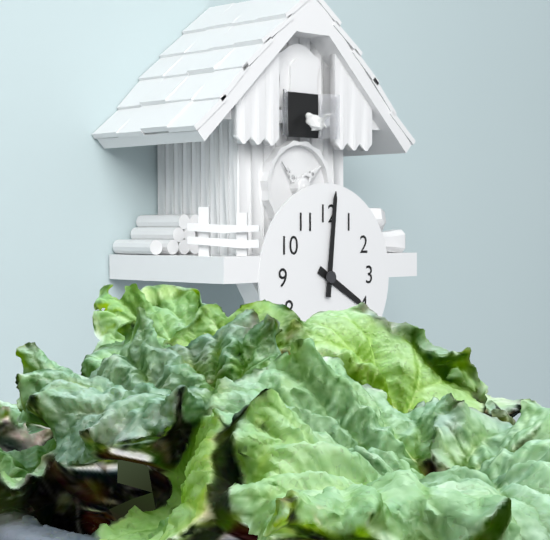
4:01
